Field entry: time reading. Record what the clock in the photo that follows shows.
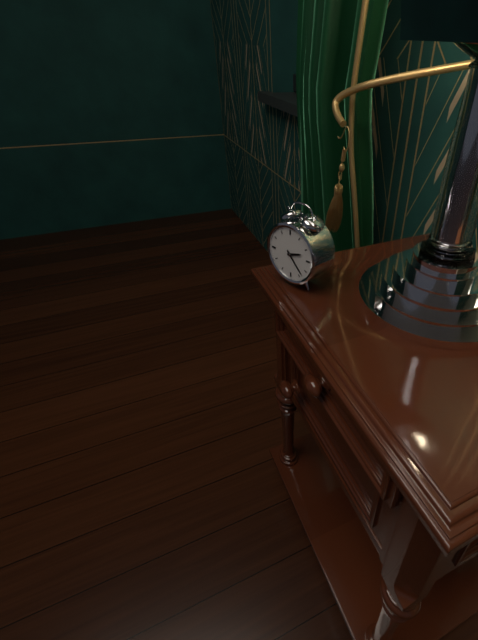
2:23
